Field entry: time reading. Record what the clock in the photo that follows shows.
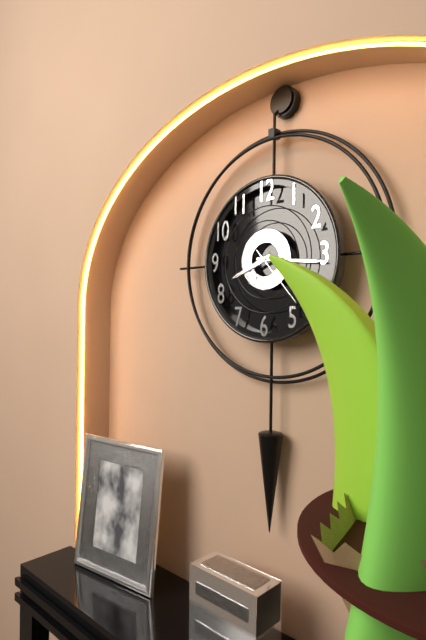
8:16:23
